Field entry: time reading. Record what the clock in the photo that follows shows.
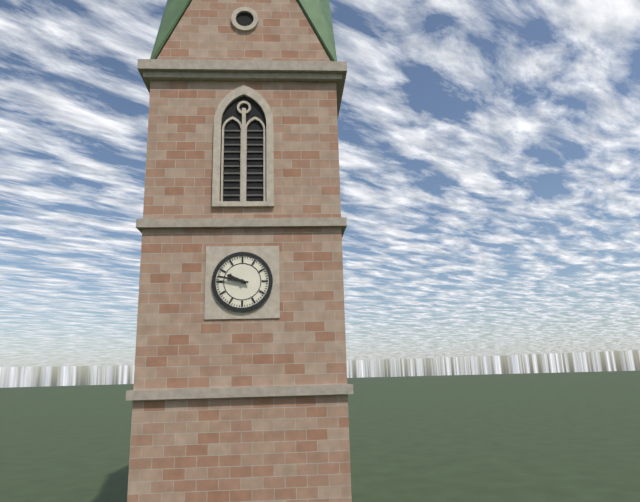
9:47
